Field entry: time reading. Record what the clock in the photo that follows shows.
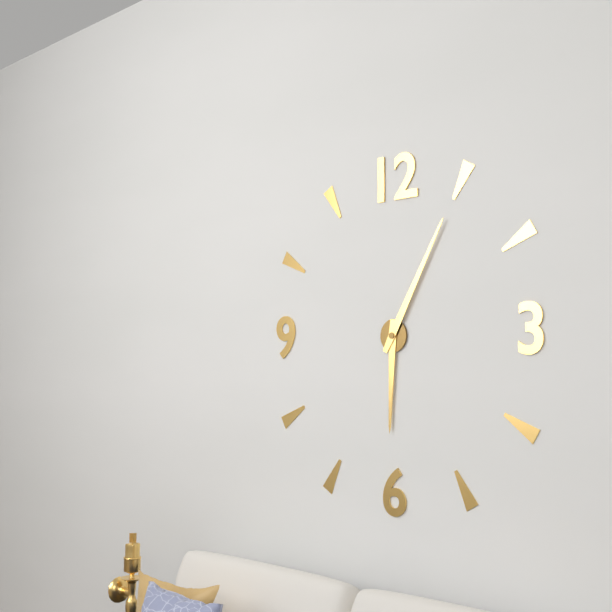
6:05
